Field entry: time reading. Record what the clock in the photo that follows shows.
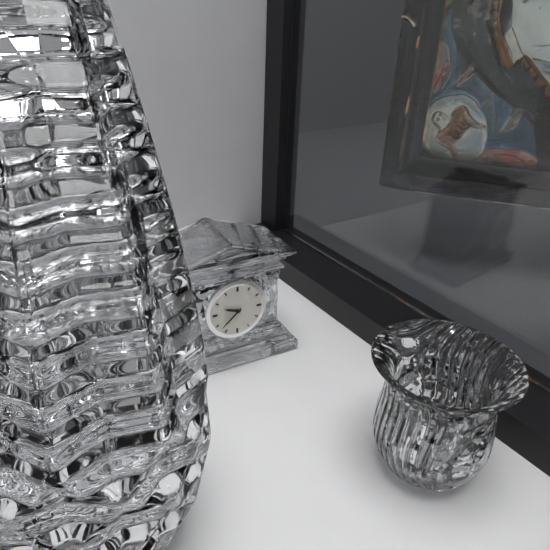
9:38
